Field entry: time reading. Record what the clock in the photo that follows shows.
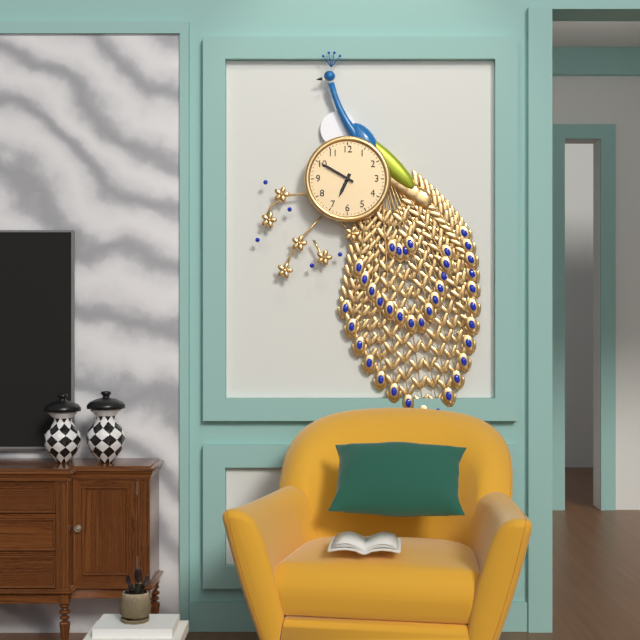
6:50
